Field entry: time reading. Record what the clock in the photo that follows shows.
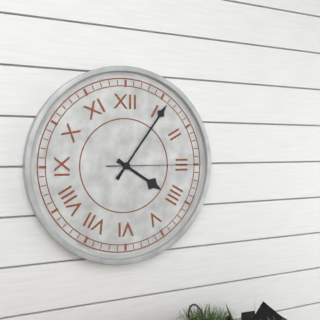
4:06:15
